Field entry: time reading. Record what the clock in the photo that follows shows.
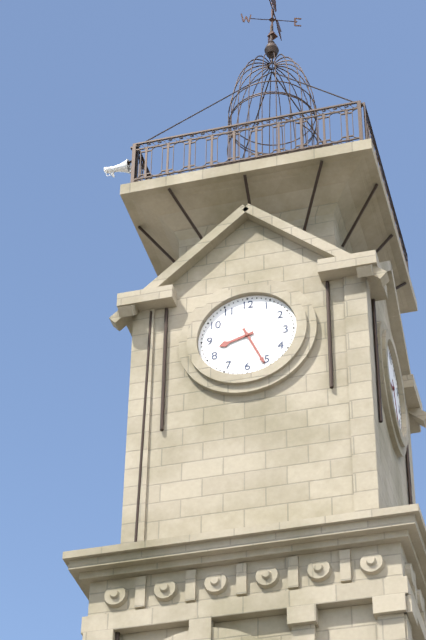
8:26
